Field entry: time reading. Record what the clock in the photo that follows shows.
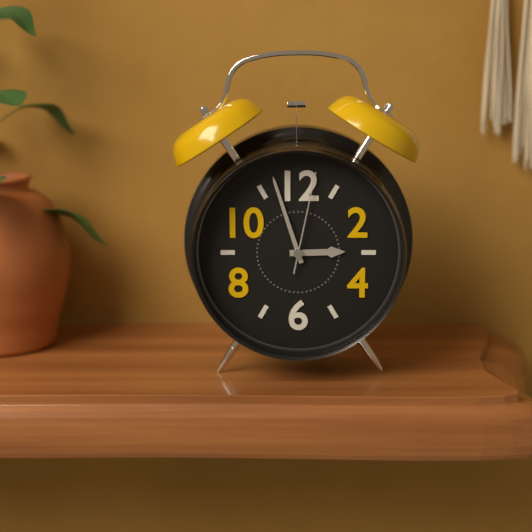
2:57:02
